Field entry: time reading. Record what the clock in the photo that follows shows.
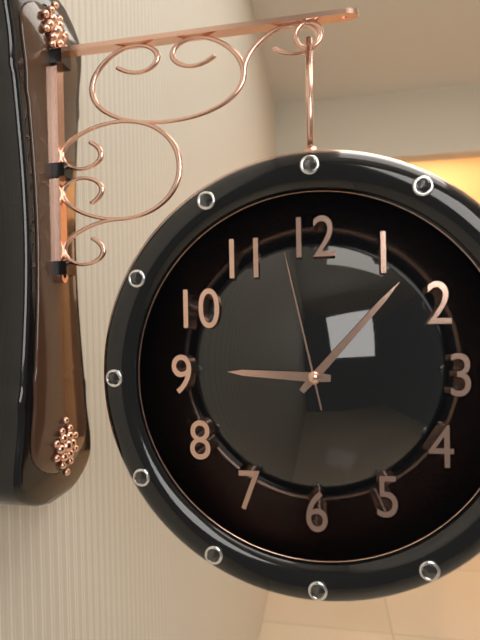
9:07:58
